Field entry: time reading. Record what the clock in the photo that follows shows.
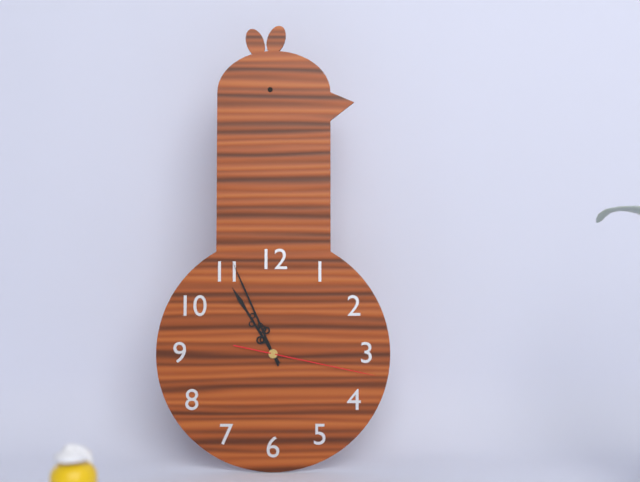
10:56:17
